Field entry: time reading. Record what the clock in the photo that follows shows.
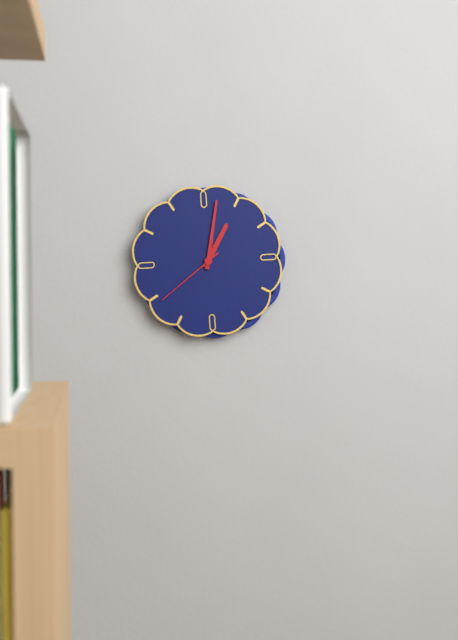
1:02:39
